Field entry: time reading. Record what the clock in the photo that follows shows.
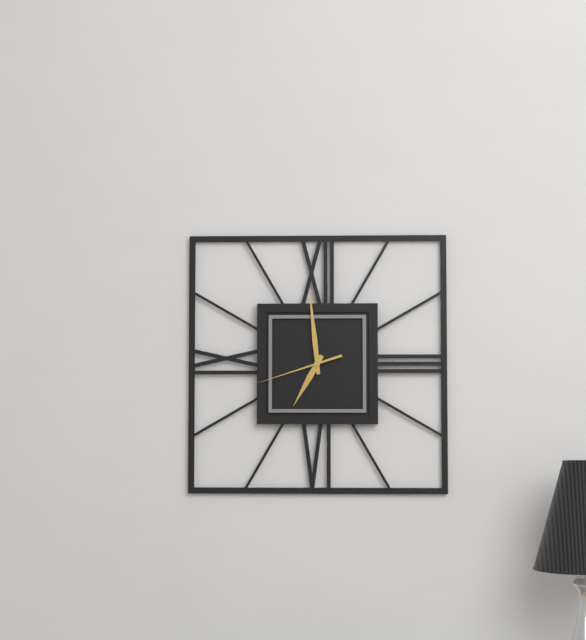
6:59:42
